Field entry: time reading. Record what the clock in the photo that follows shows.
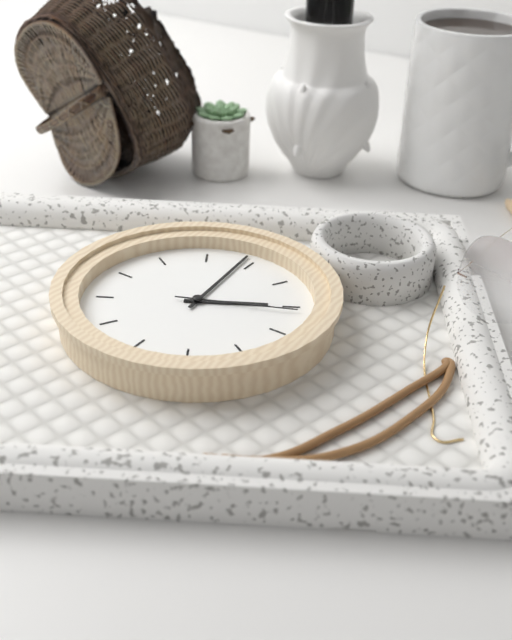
1:59:11
